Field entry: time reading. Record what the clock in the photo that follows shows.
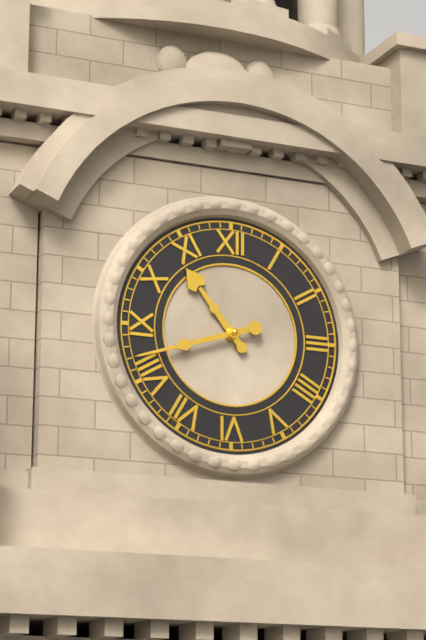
10:42
